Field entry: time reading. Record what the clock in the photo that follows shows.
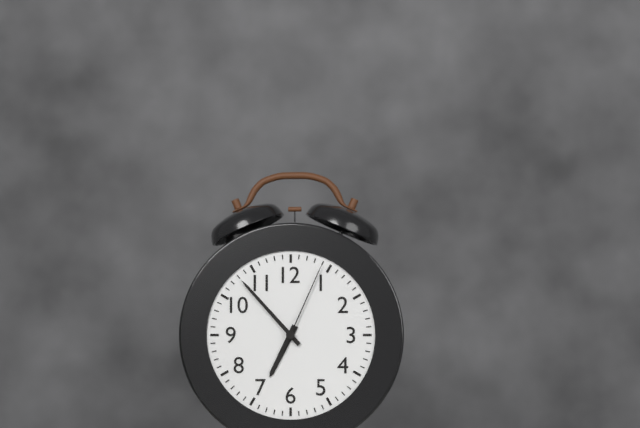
6:53:04
